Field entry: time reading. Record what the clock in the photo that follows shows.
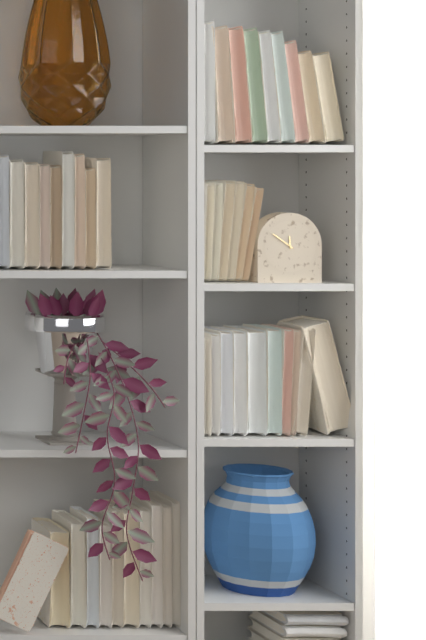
11:51
